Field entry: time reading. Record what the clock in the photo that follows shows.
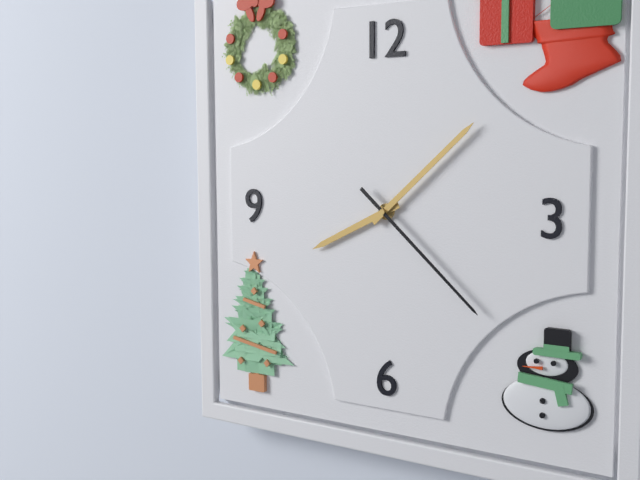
8:08:22
